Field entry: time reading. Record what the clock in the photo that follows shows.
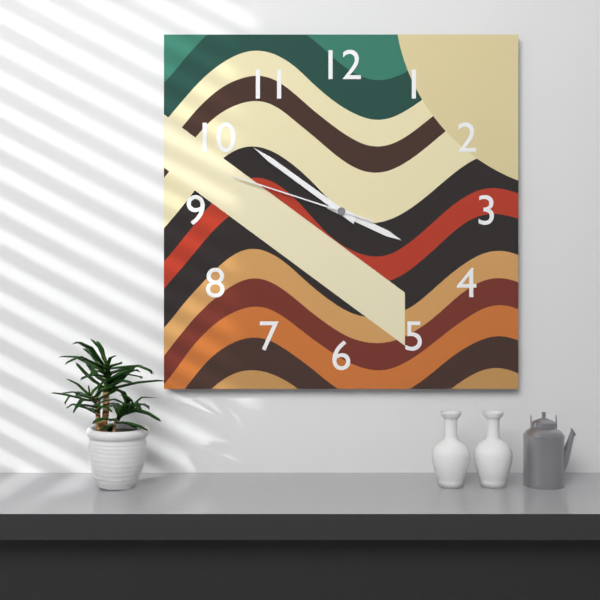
3:51:48
